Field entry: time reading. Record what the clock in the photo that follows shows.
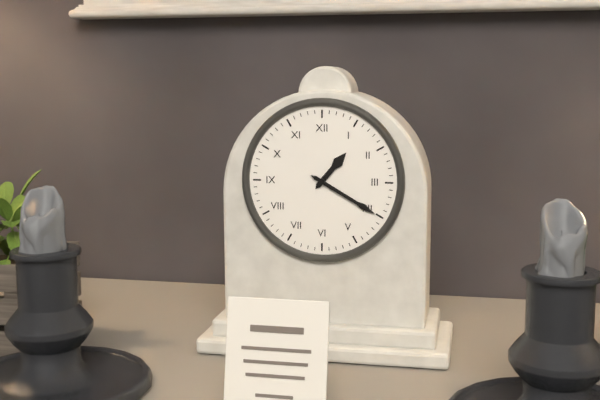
1:20
